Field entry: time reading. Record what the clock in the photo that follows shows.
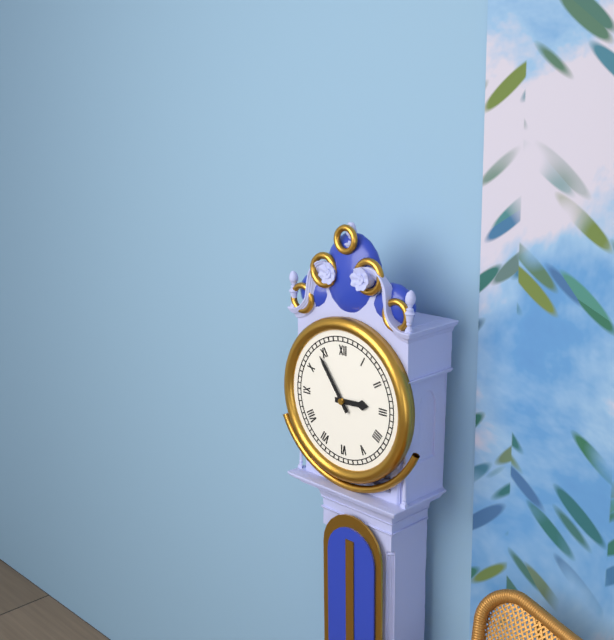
2:54
